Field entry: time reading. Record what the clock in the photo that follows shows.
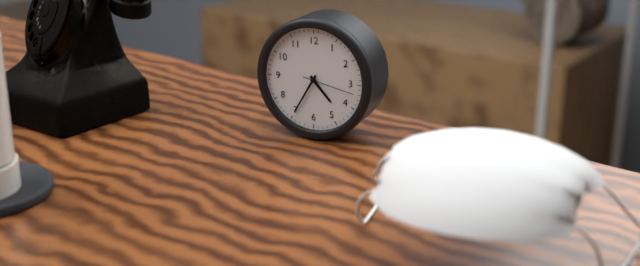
4:35:17
